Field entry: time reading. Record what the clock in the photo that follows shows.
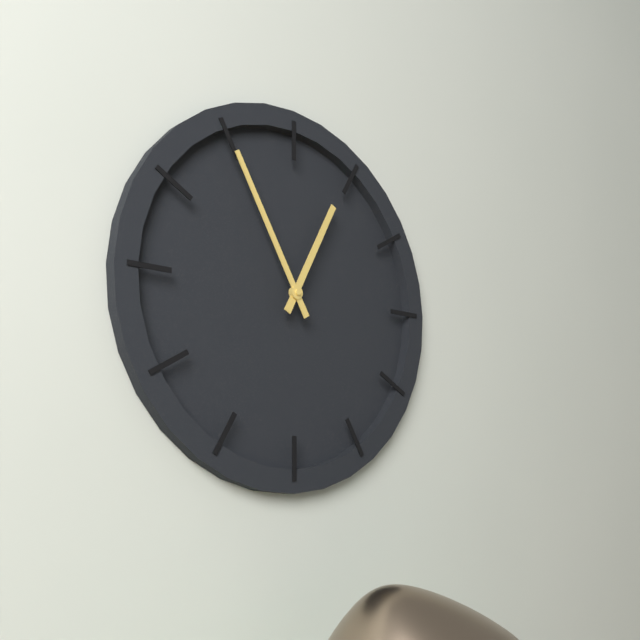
12:55
